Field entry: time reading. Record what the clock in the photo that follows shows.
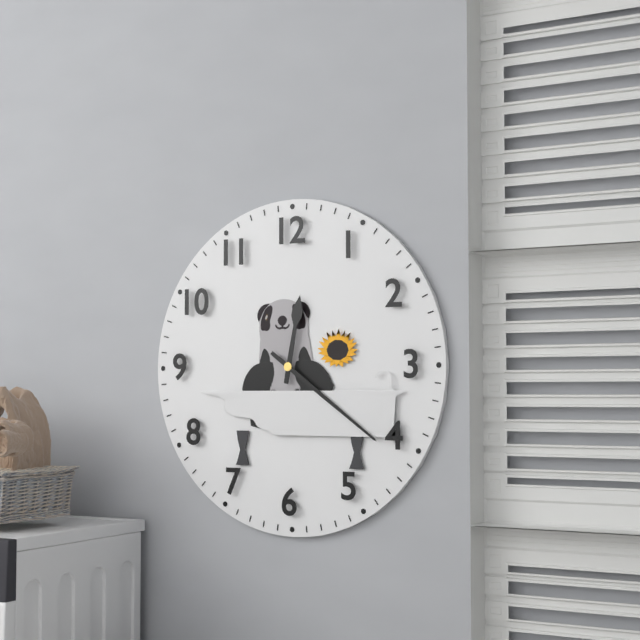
12:21
